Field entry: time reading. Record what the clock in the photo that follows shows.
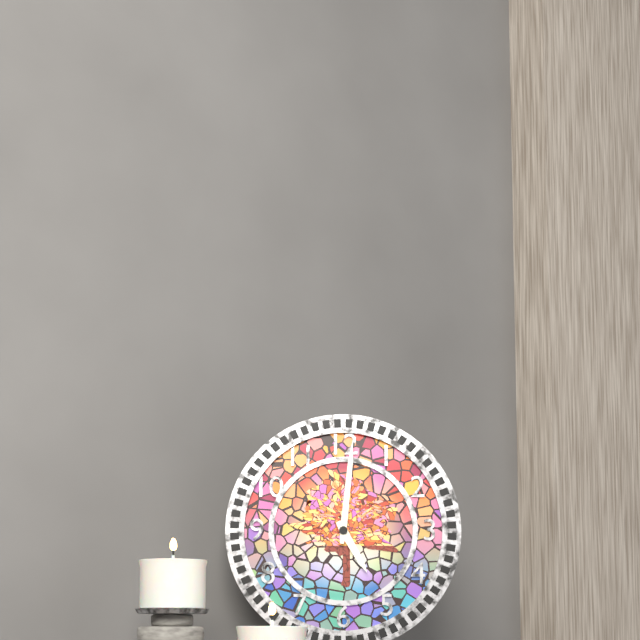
5:01
